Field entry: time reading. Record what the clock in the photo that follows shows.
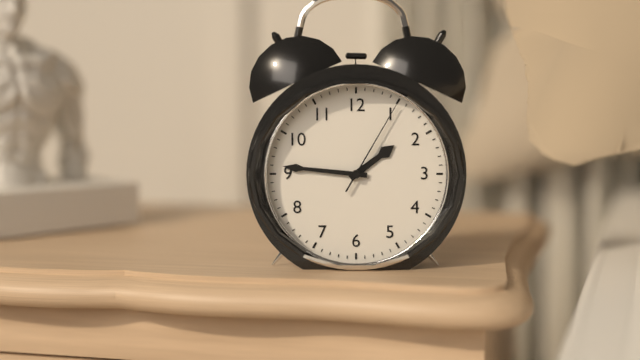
1:46:05
